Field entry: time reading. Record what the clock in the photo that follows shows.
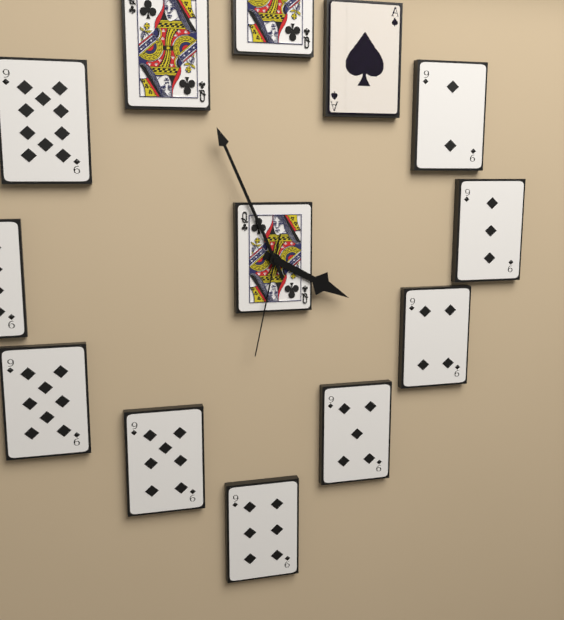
3:56:32
